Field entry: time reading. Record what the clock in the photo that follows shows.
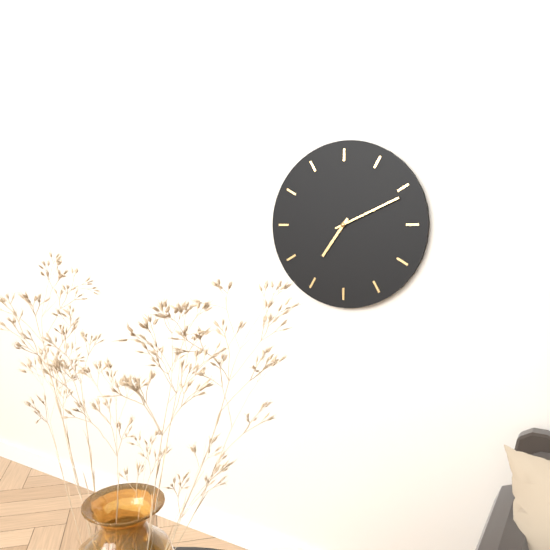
7:11
